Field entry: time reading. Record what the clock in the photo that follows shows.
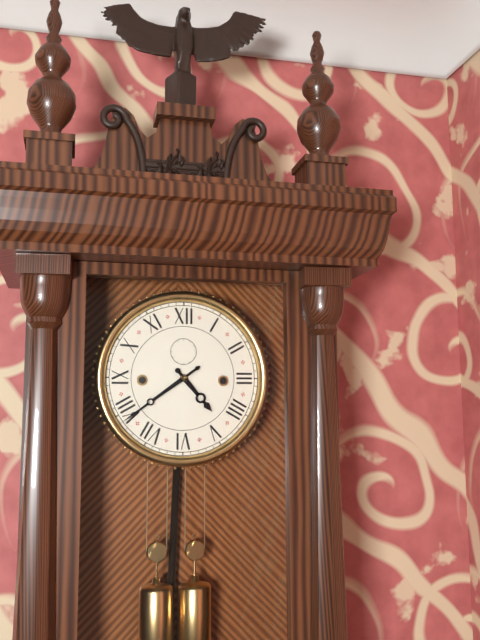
4:39
